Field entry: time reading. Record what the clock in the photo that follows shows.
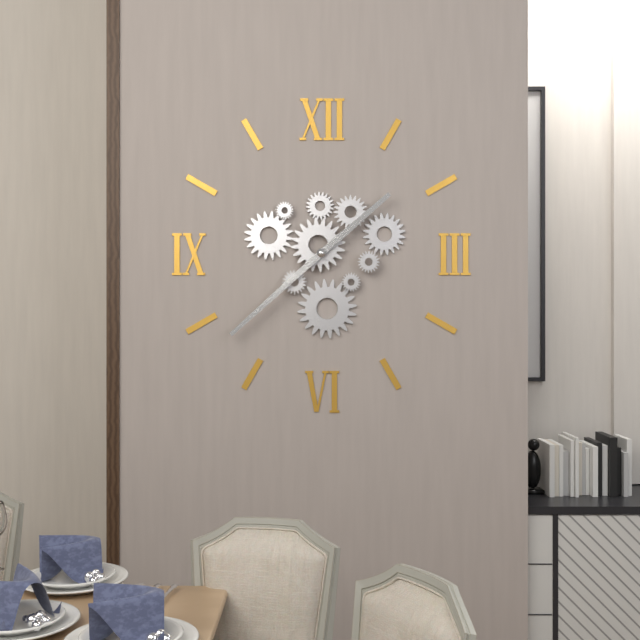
1:38
